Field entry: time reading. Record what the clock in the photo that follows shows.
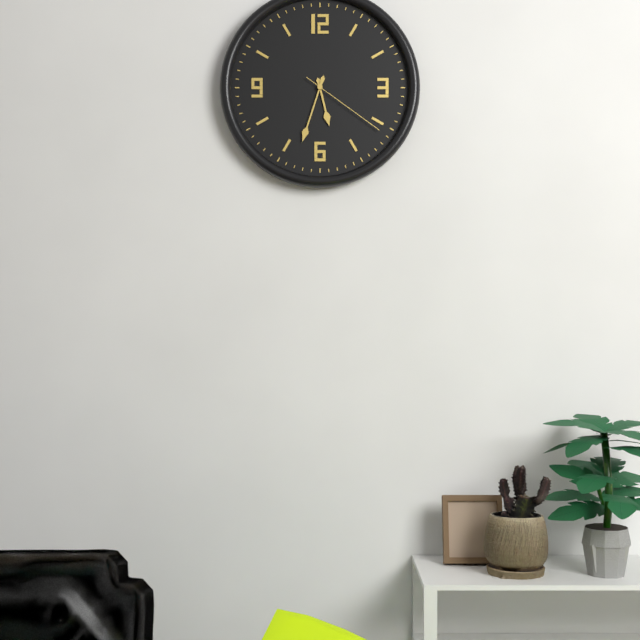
5:33:21
